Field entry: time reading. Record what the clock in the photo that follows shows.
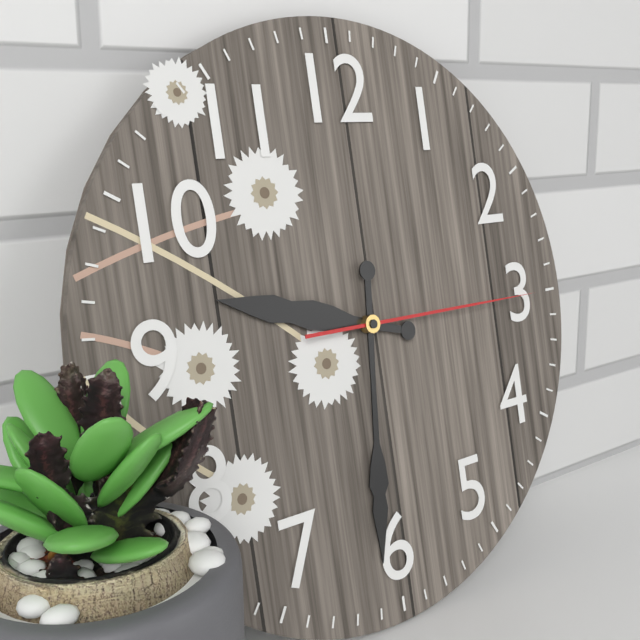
9:31:15
